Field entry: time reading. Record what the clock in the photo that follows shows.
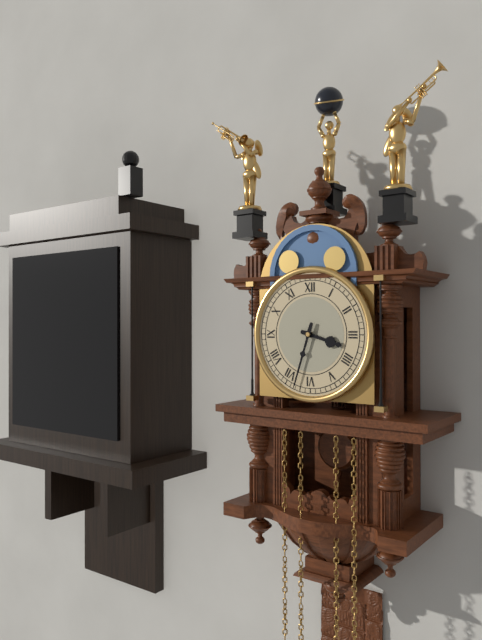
3:33
